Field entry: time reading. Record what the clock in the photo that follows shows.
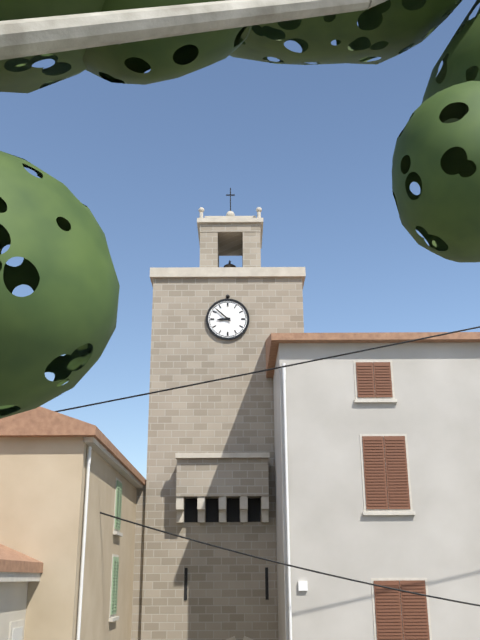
8:52
